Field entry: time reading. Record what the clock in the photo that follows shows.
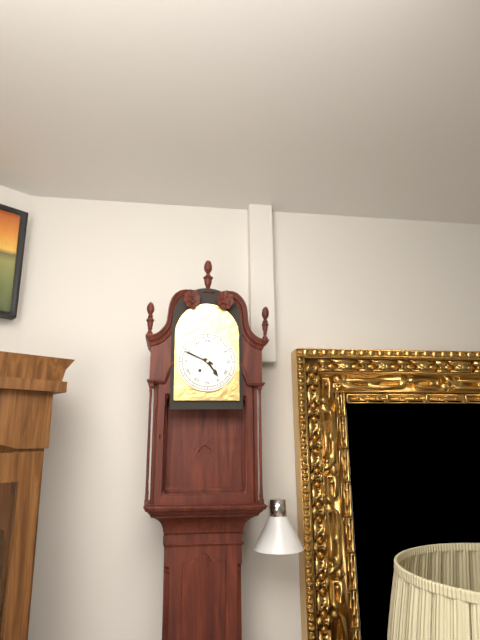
4:49
